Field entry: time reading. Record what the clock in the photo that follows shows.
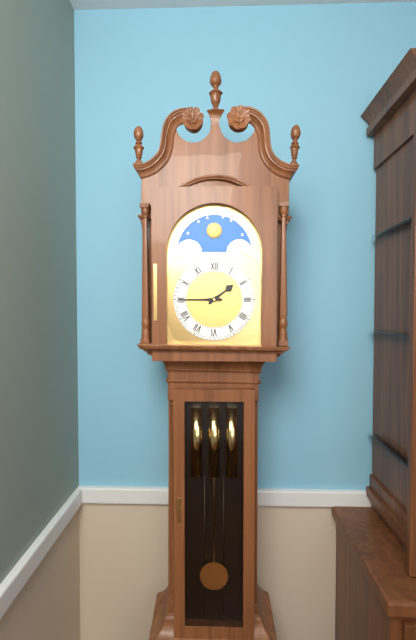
1:45
